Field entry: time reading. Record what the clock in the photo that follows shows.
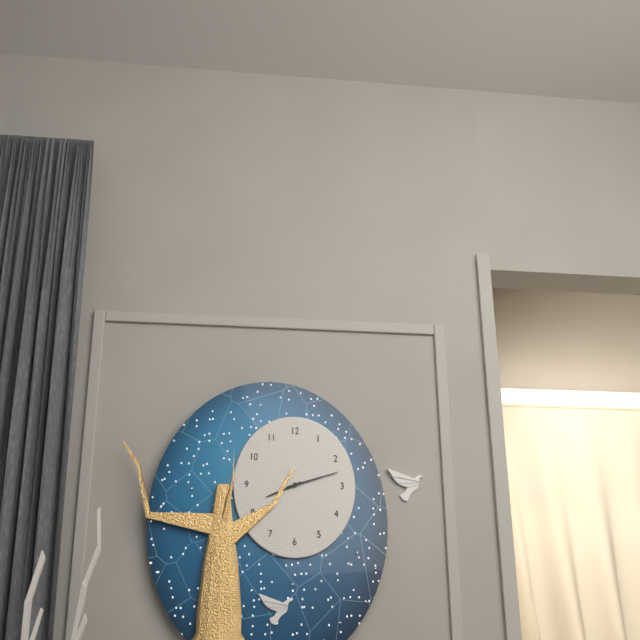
8:12
